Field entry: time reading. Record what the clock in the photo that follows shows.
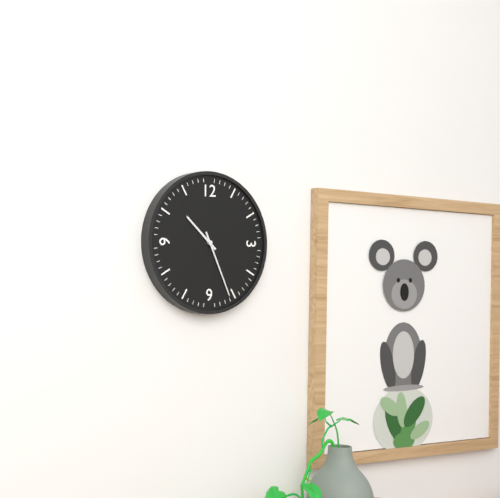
10:26
